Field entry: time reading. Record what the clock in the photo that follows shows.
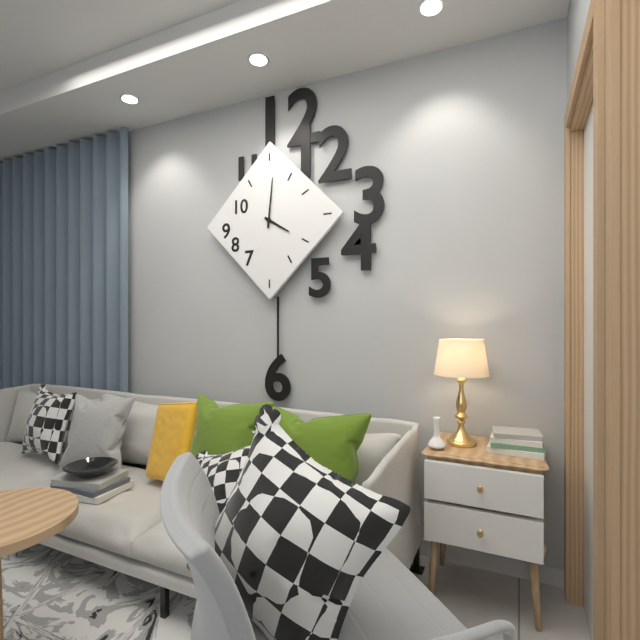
4:01
